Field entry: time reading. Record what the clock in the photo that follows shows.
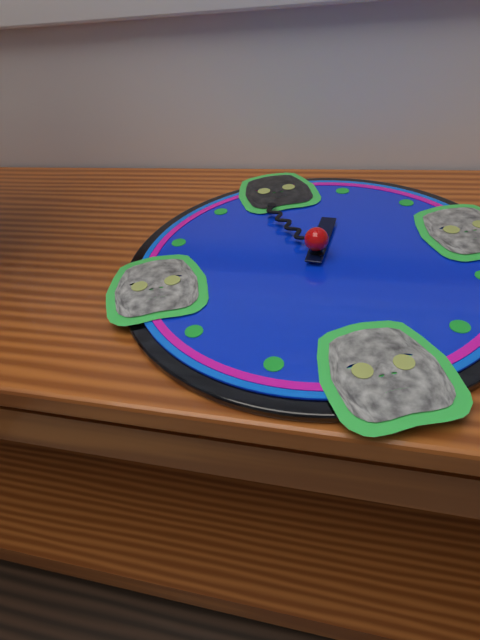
12:58
